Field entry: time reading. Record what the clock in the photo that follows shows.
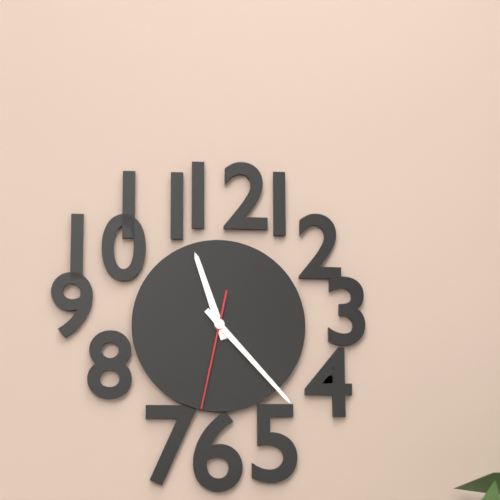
11:23:32
